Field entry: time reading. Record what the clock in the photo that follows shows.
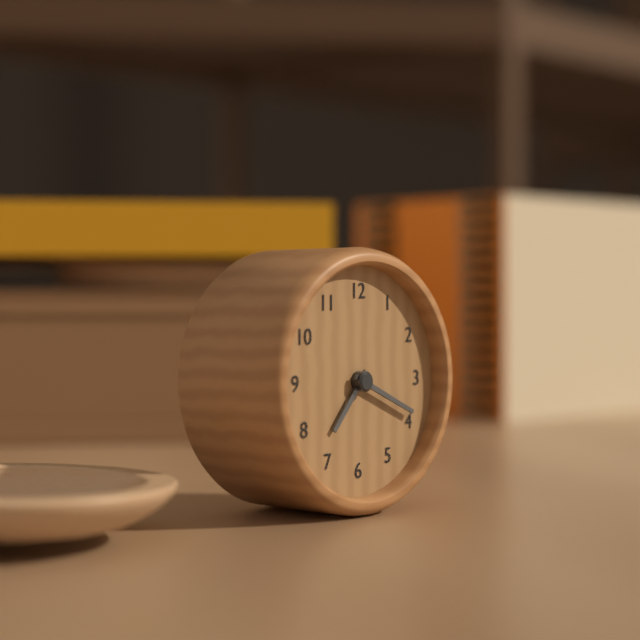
7:19
